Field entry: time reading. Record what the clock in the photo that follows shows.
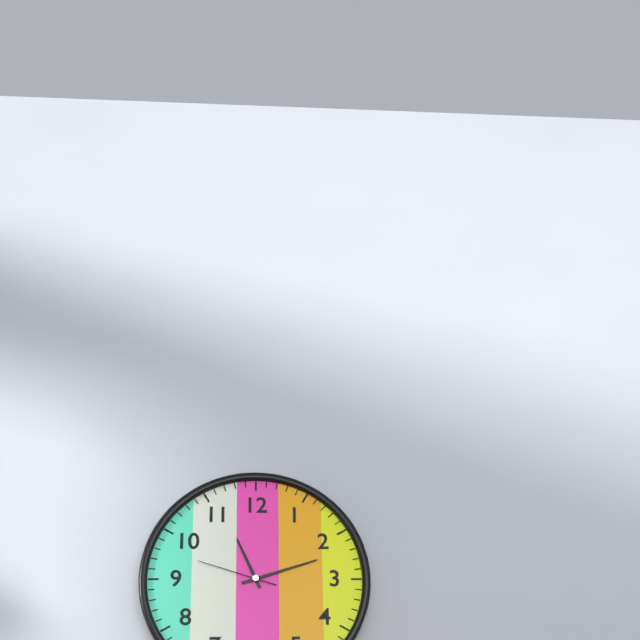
11:12:48
